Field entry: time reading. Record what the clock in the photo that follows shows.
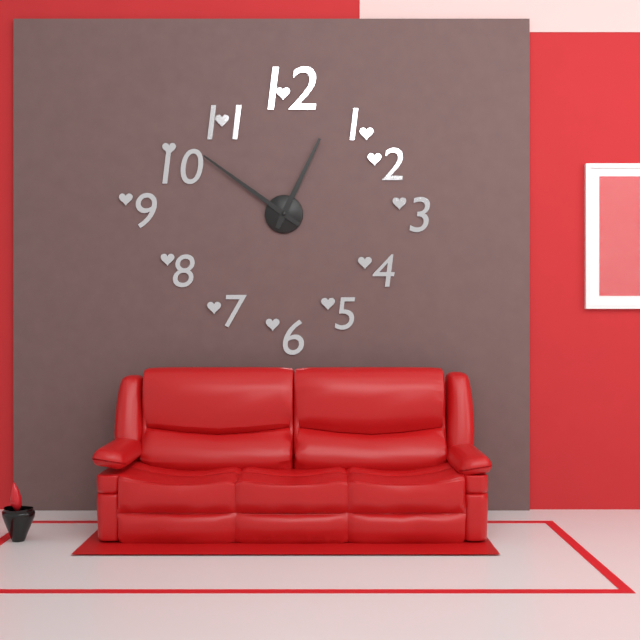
12:51
